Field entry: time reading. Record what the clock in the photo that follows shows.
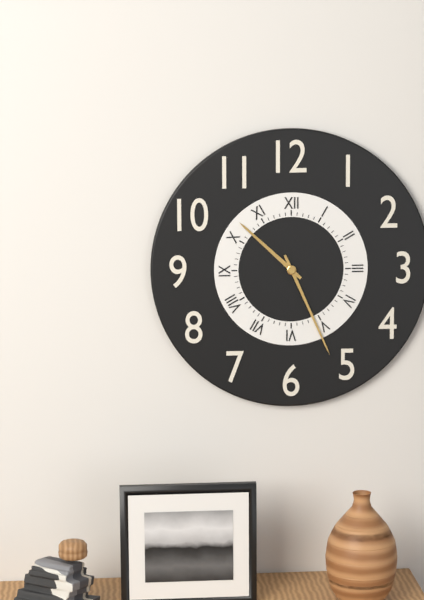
10:26
